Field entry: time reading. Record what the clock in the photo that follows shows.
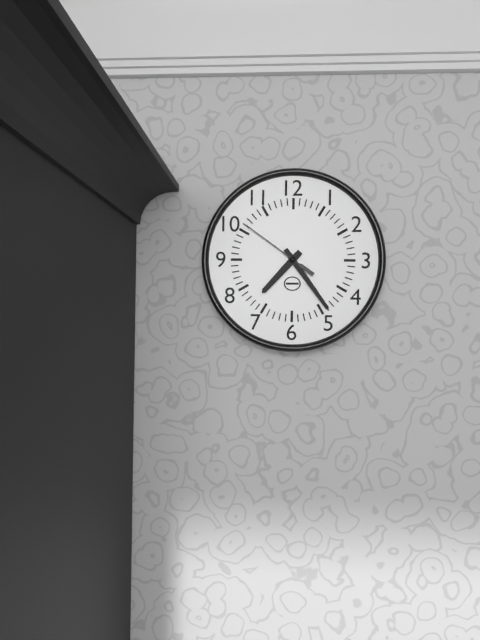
7:24:51
